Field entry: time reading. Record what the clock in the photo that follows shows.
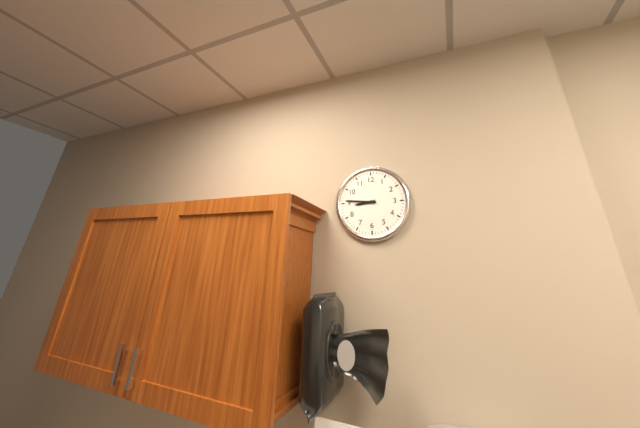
8:46
